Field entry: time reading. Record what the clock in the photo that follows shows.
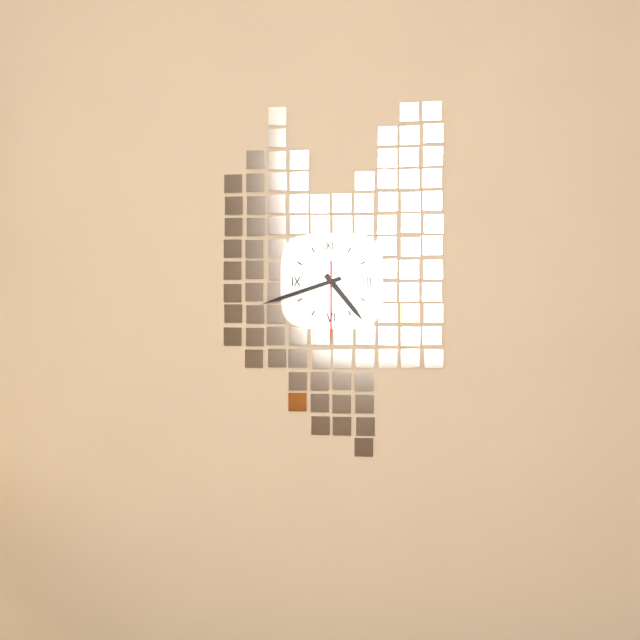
4:42:30
